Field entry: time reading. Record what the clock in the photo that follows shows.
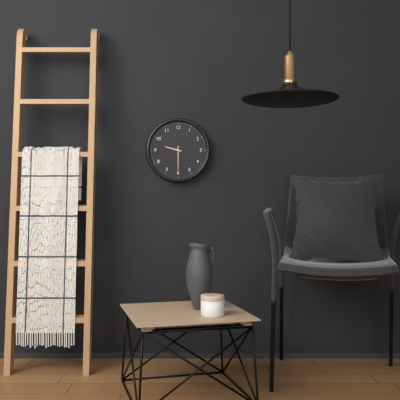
9:30
